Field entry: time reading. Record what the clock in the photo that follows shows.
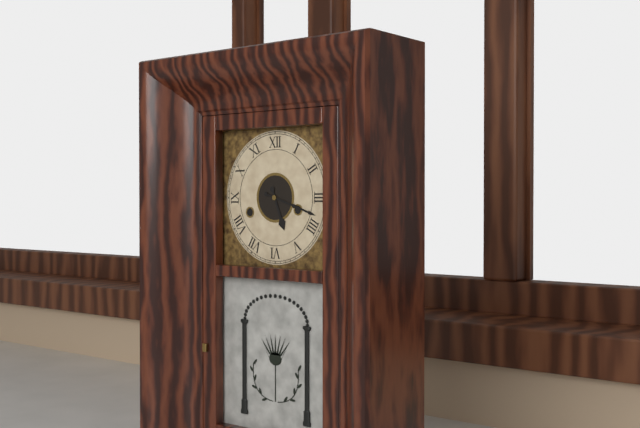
5:18
